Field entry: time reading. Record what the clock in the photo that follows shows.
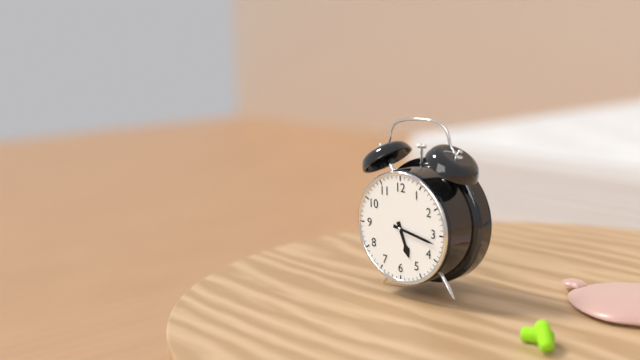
5:17
